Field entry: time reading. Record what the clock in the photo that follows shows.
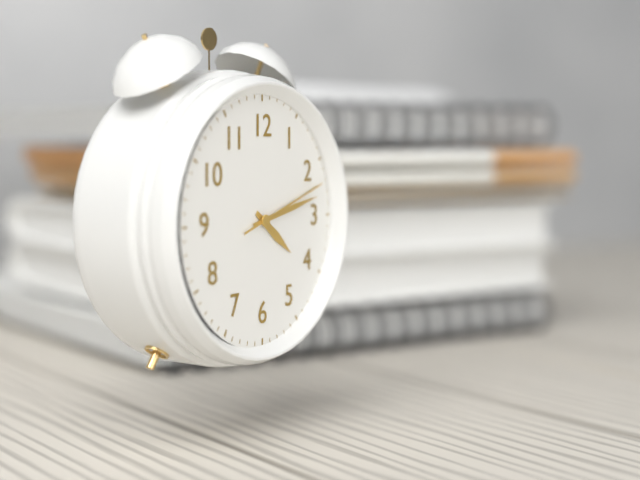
4:13:12
